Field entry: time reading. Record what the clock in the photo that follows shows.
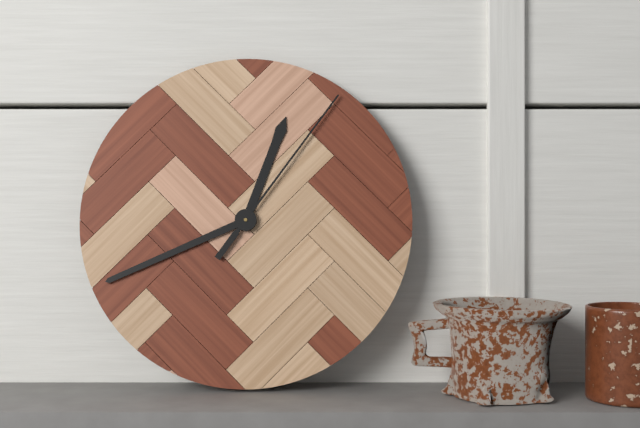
12:41:06
